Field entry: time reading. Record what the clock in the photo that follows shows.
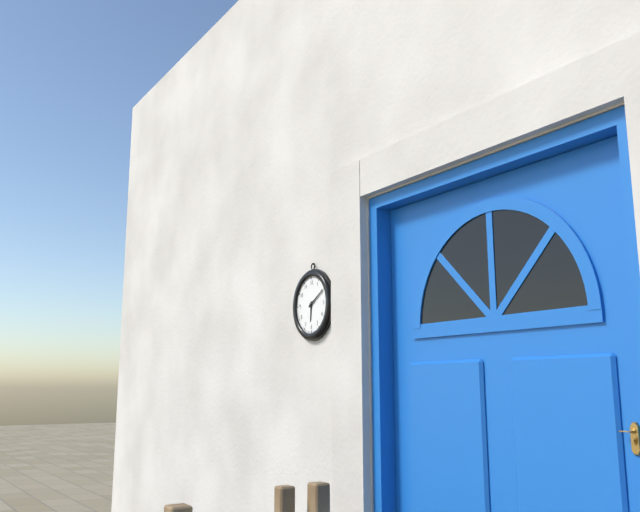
6:10
